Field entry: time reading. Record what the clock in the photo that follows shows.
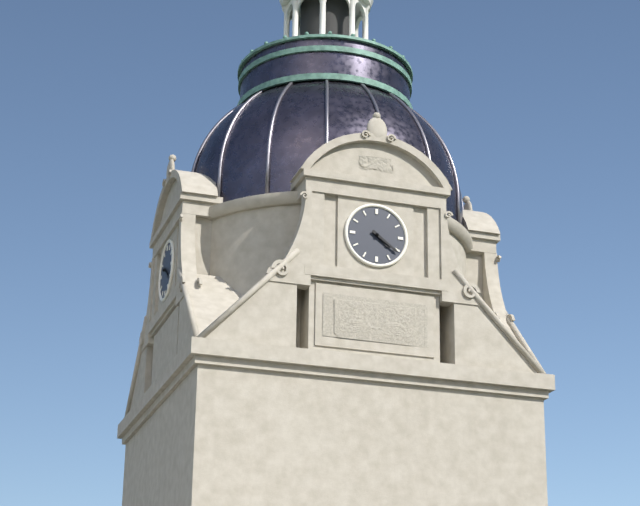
4:21
